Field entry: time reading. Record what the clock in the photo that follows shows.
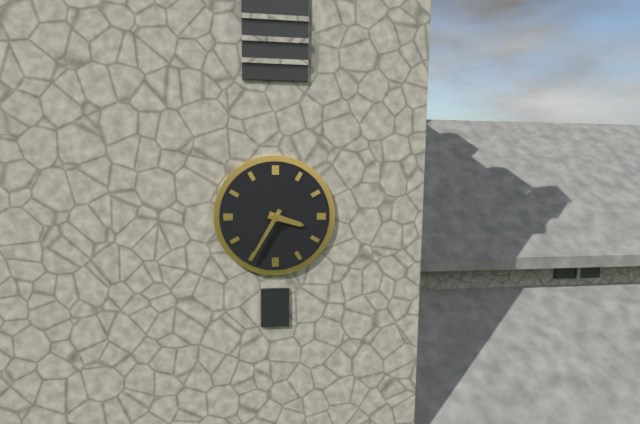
3:35
